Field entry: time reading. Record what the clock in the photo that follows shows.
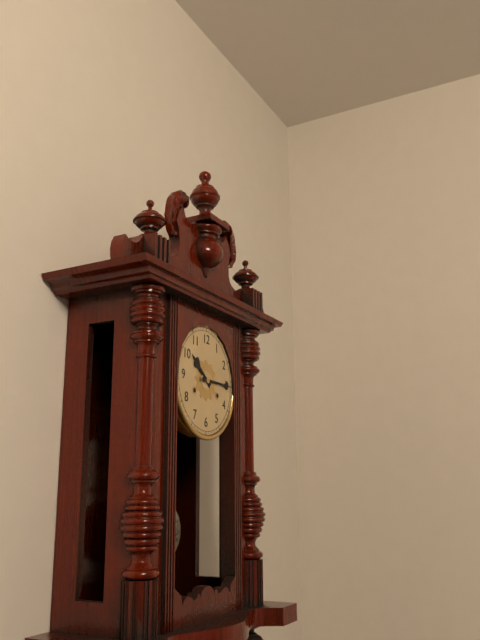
10:15
